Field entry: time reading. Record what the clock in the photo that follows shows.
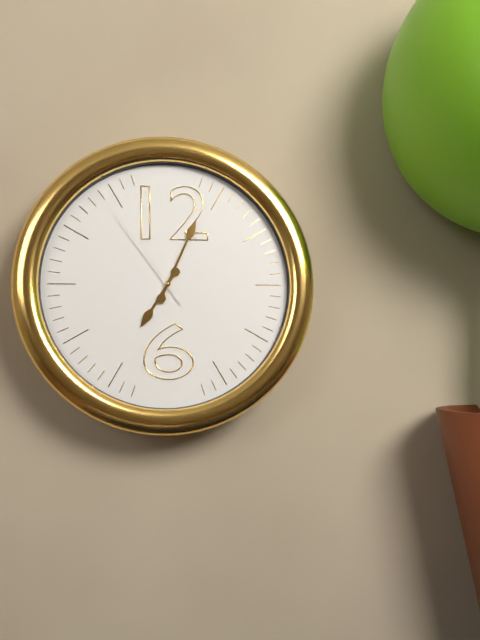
7:04:54
